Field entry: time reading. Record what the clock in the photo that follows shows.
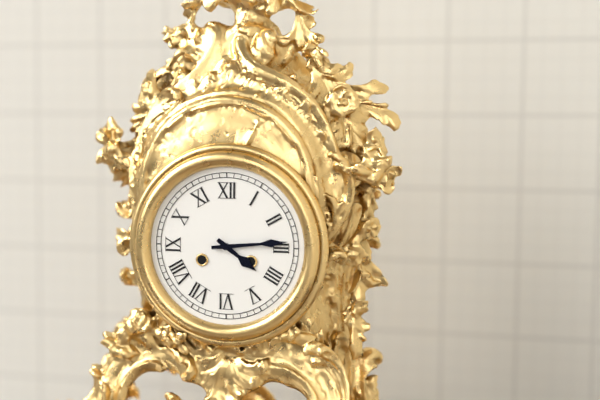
4:14
